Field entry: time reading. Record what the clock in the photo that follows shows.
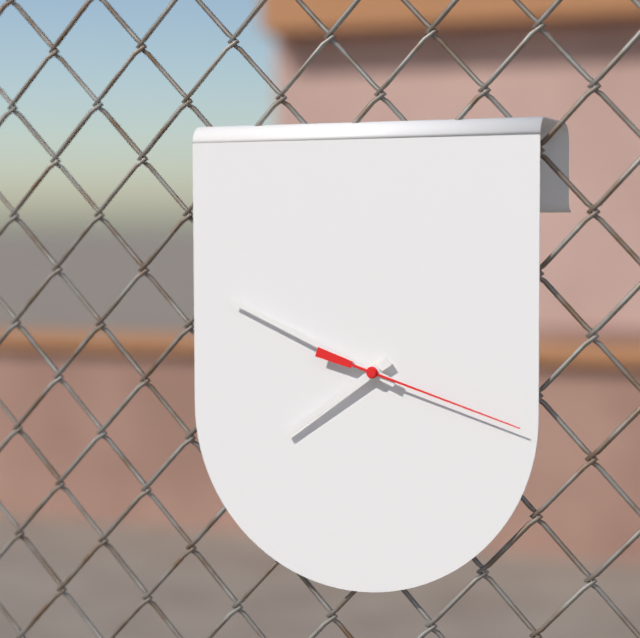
7:49:18
